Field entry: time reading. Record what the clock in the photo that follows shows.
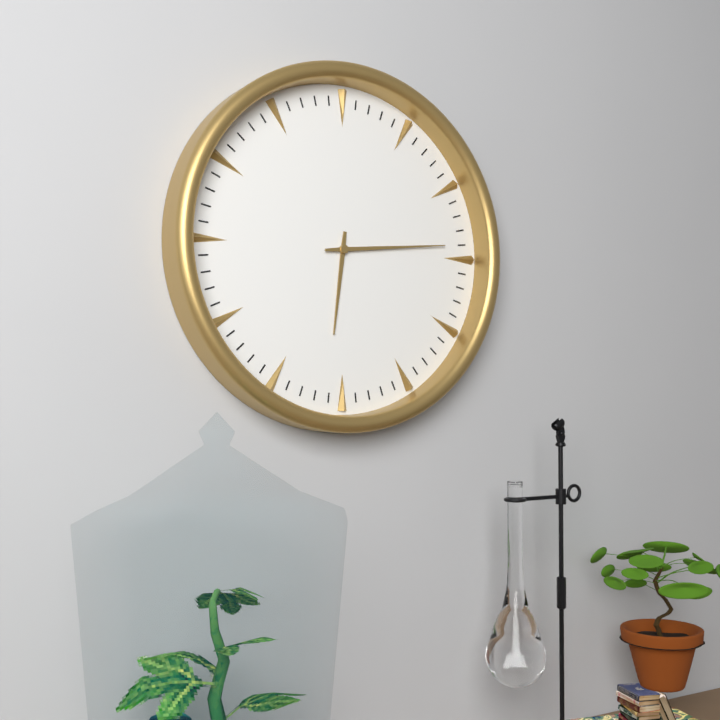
6:14
